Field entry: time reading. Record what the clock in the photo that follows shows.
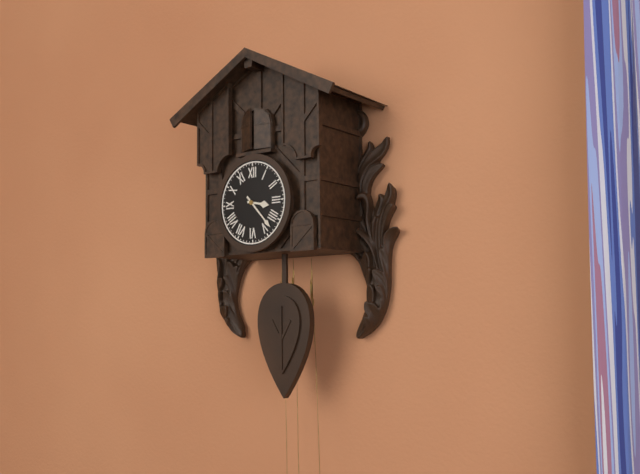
3:23
